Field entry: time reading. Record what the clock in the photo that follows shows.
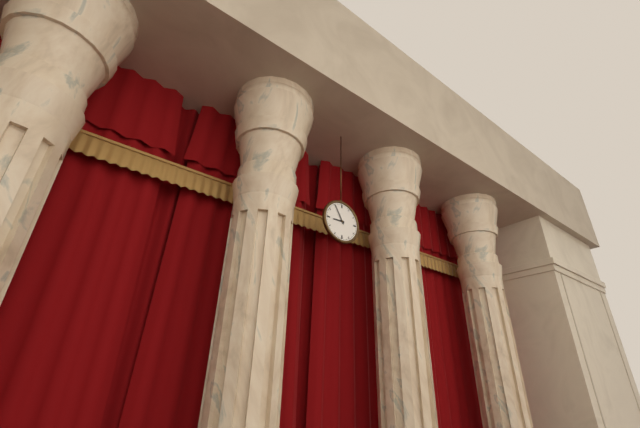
8:55
